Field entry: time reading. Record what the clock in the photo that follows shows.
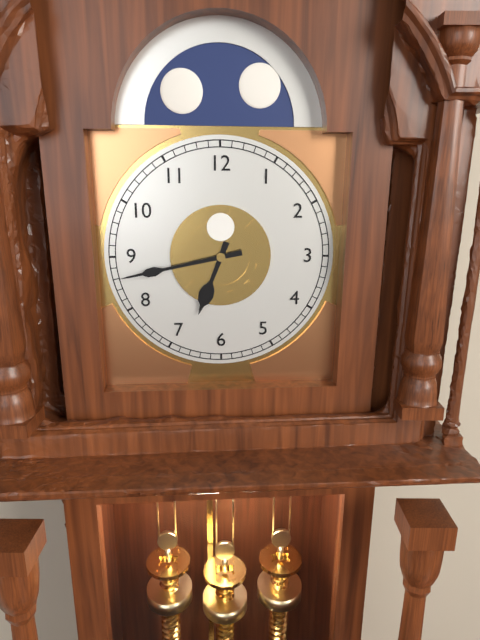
6:43
